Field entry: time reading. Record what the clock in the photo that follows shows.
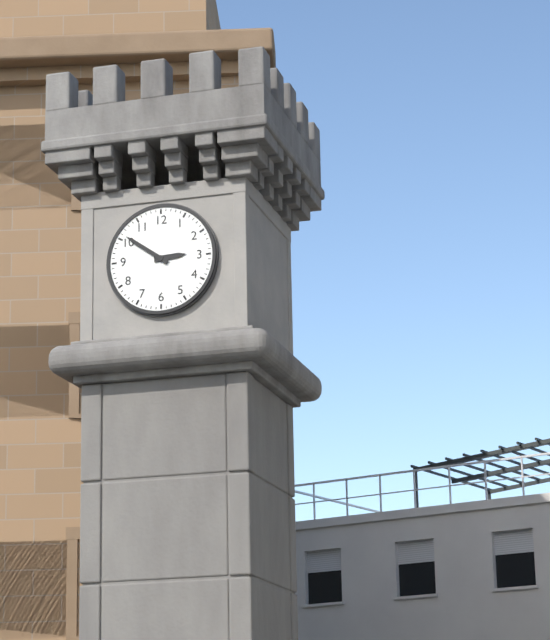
2:51
